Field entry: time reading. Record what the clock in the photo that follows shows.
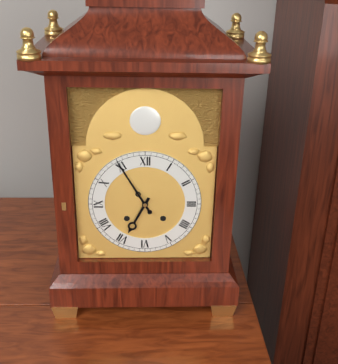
6:55
